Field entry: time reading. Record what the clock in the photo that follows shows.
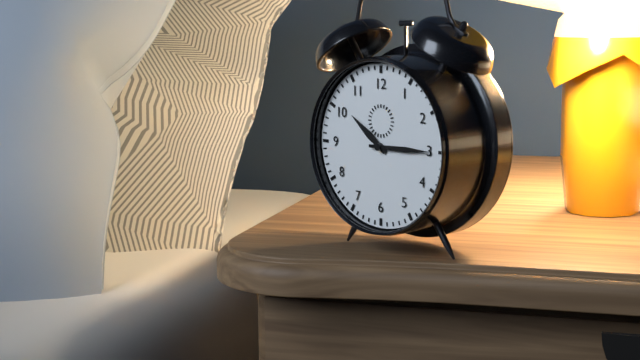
10:15
